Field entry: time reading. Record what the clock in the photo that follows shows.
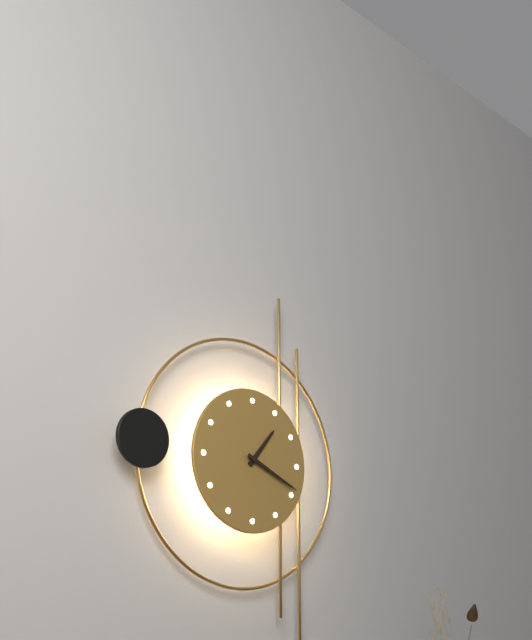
1:19
